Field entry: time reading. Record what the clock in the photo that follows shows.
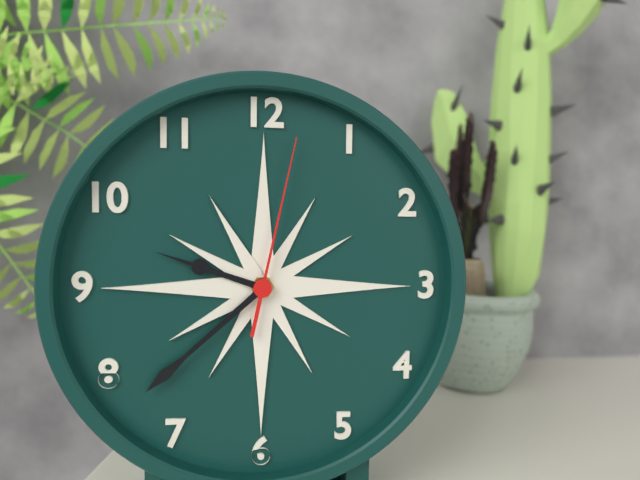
9:38:02
